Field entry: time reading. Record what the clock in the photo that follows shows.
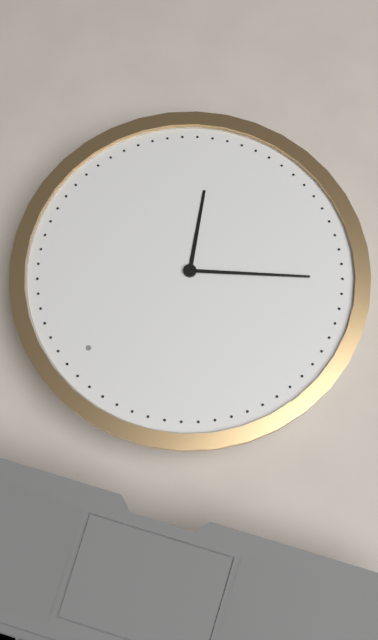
4:37
